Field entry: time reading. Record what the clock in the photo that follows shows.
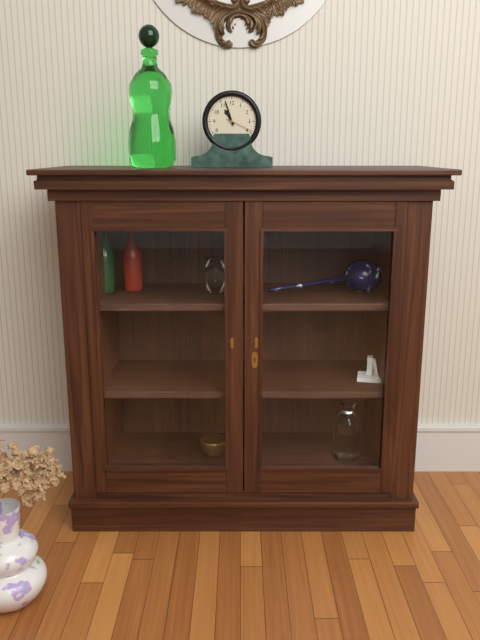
10:57
